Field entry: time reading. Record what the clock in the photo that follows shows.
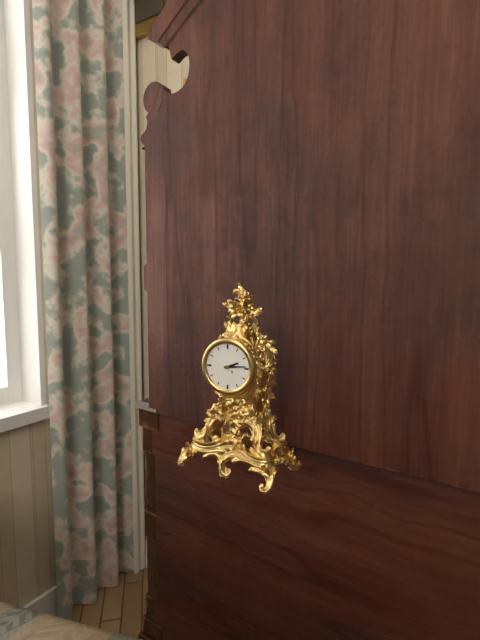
2:14
